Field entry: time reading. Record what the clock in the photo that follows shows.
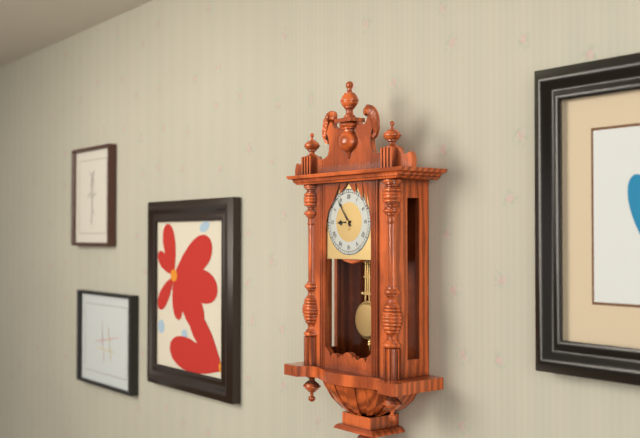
8:54
